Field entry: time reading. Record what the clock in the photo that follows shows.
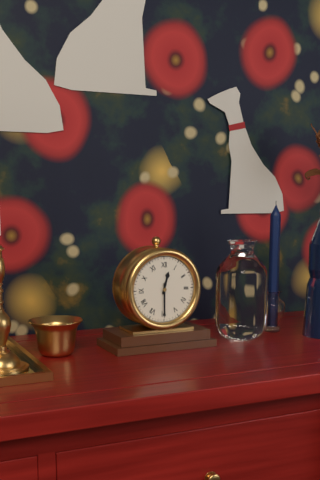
12:30
